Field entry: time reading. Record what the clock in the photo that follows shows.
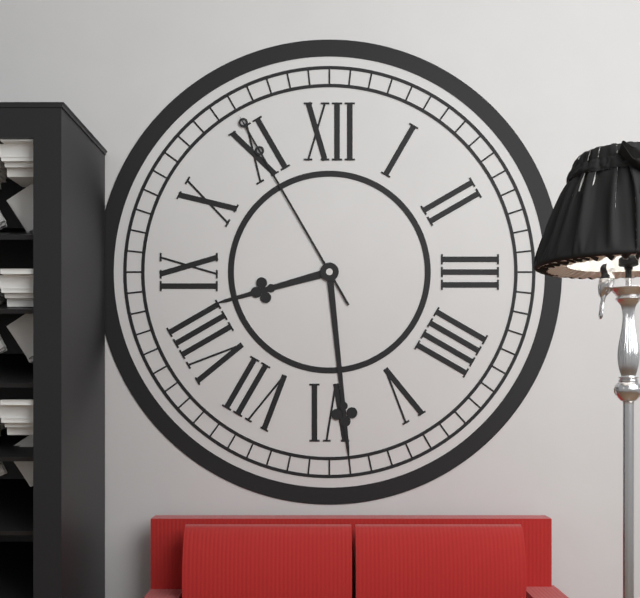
8:29:55
